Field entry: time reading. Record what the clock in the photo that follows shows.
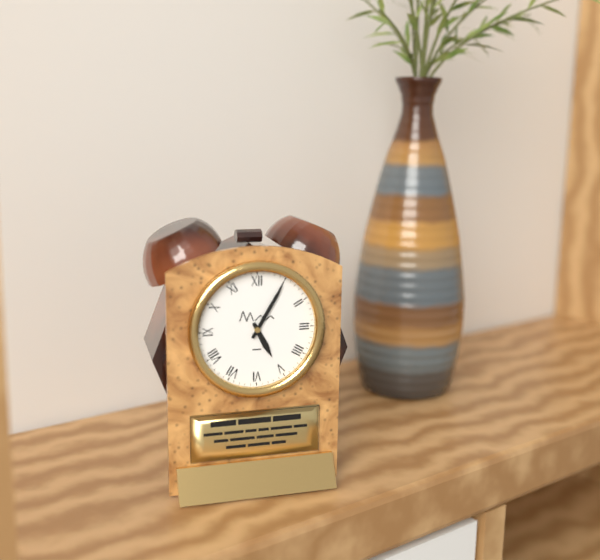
5:05
